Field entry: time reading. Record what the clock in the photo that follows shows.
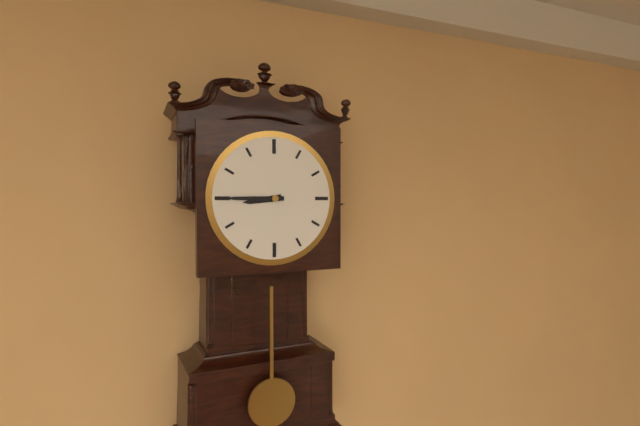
8:45
